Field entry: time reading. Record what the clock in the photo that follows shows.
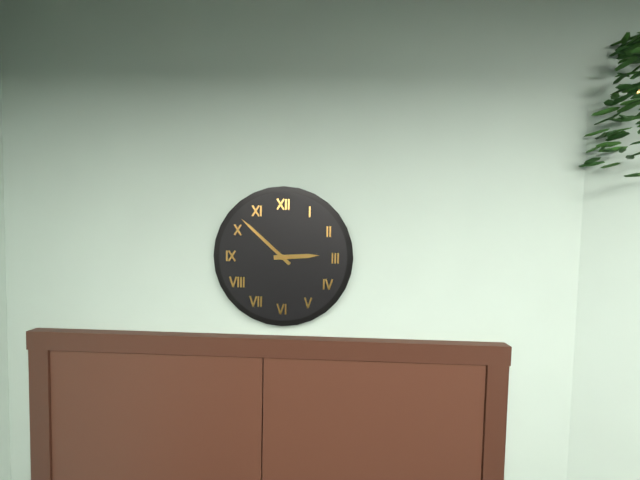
2:52
